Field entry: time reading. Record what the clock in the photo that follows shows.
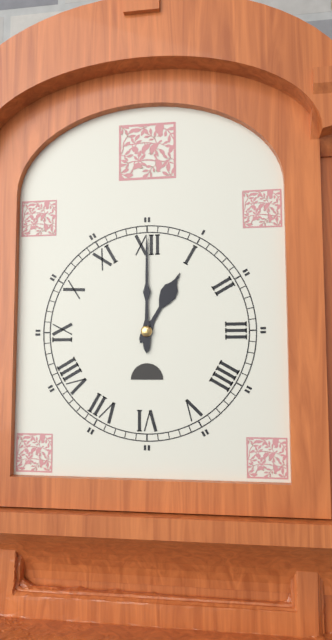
1:00
